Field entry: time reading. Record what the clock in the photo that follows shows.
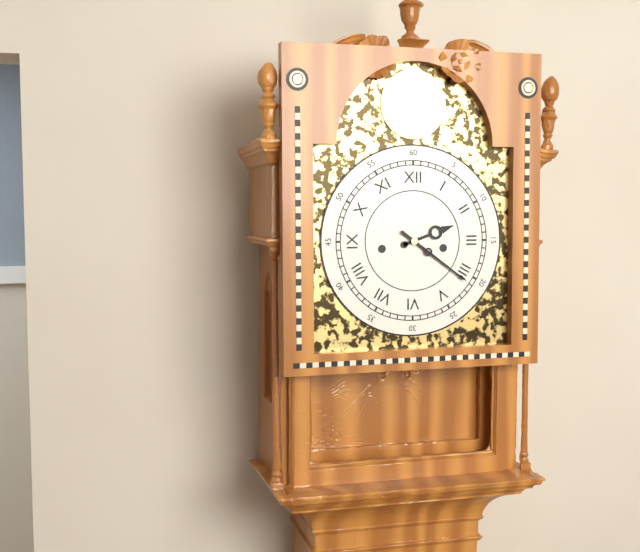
2:21
